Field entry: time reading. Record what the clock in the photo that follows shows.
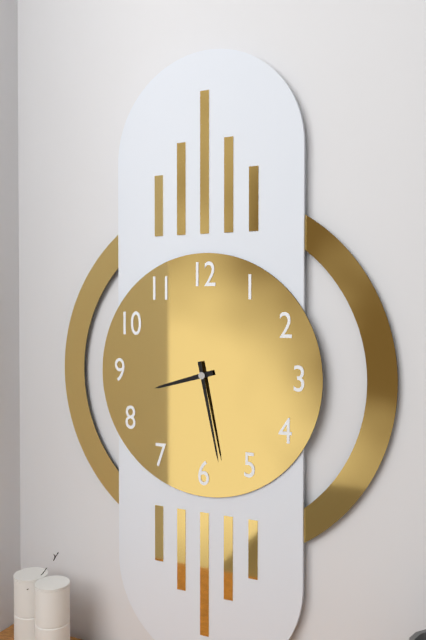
8:28
